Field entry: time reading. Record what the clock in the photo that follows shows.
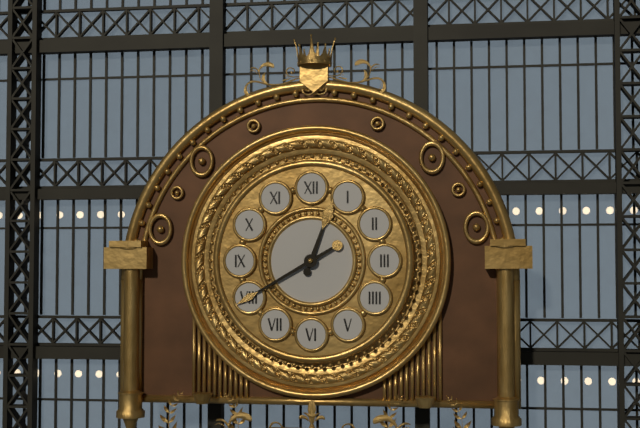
12:40
